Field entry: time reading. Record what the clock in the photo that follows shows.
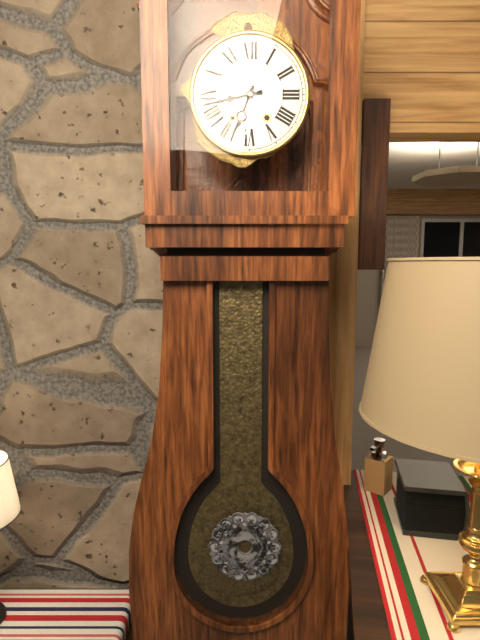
6:43
